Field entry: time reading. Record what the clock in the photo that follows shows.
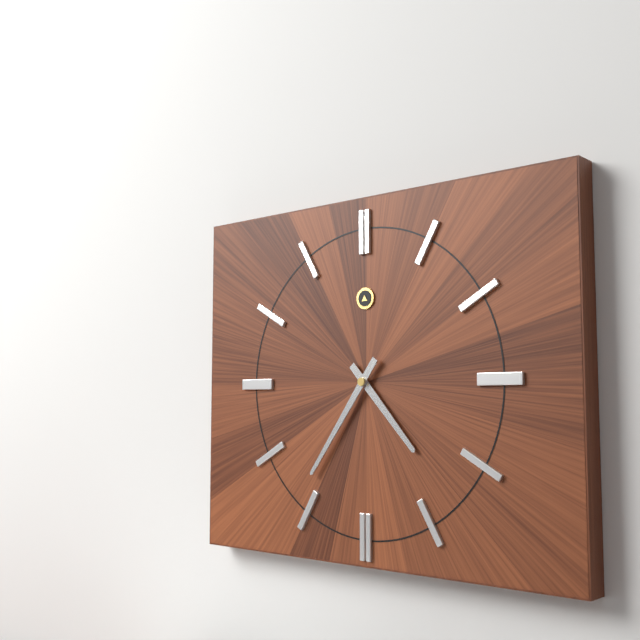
4:36
